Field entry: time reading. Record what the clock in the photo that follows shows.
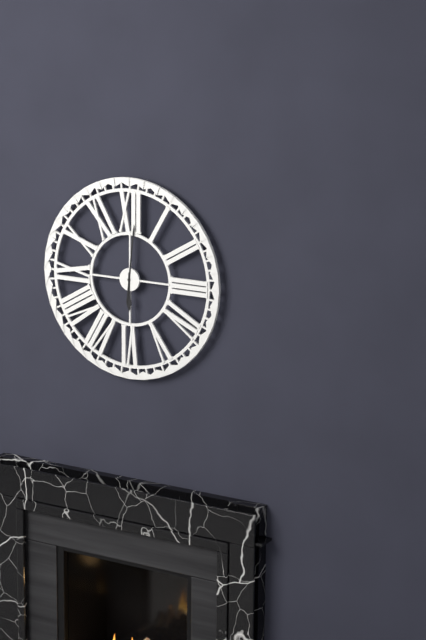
6:01
